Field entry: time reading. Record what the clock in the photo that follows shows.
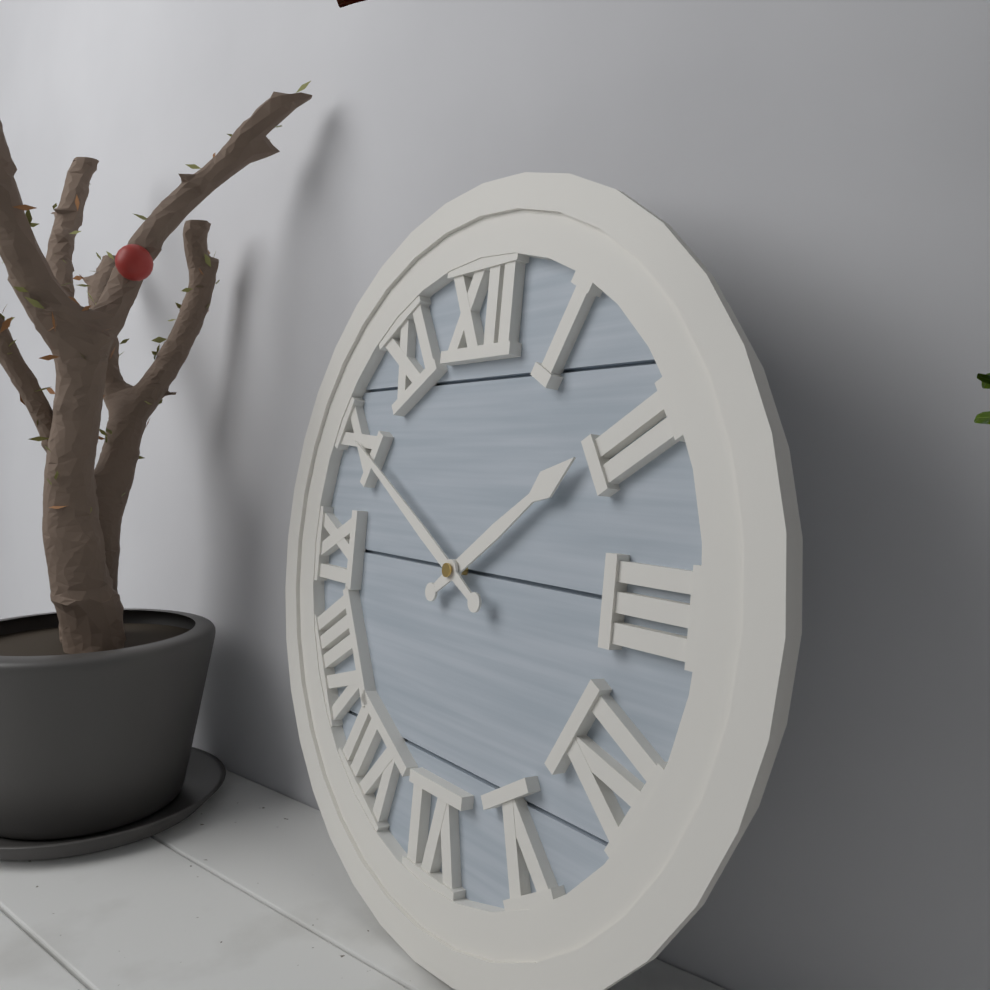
1:50
